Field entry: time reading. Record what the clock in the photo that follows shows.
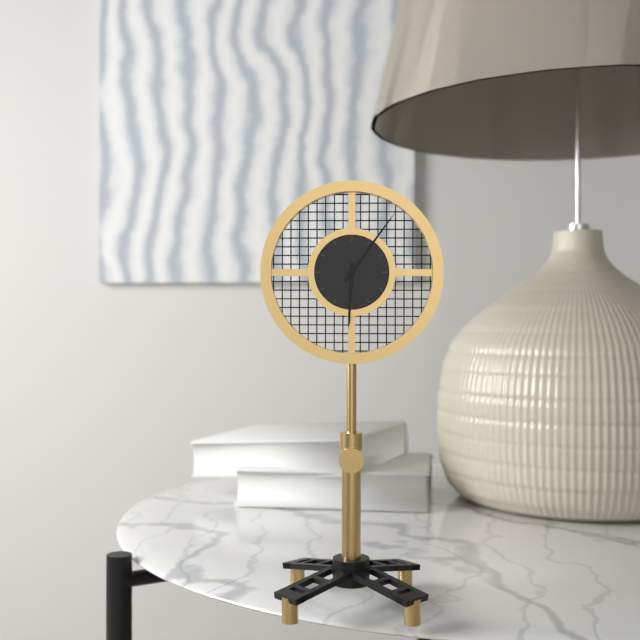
6:06
